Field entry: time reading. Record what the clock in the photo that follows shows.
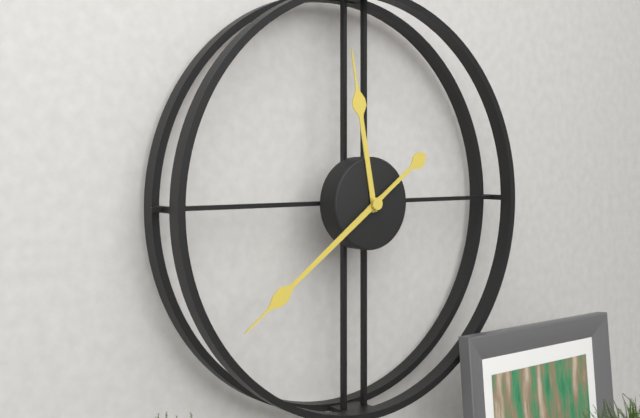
11:39
